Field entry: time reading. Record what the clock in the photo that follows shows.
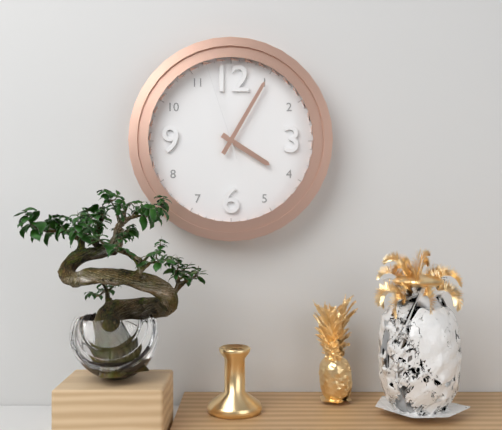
4:05:57
